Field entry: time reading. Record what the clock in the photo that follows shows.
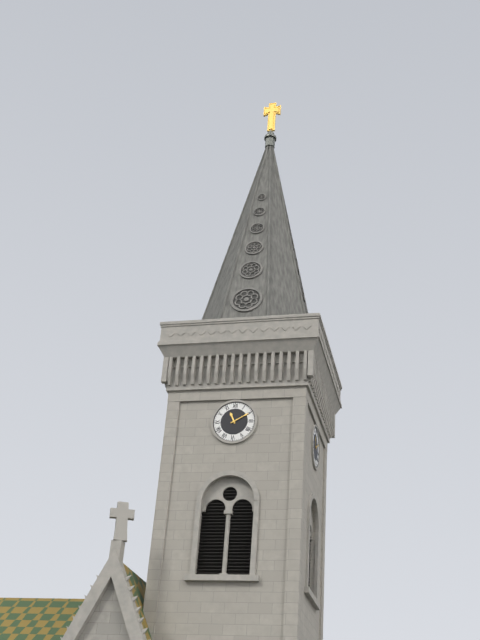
11:10
